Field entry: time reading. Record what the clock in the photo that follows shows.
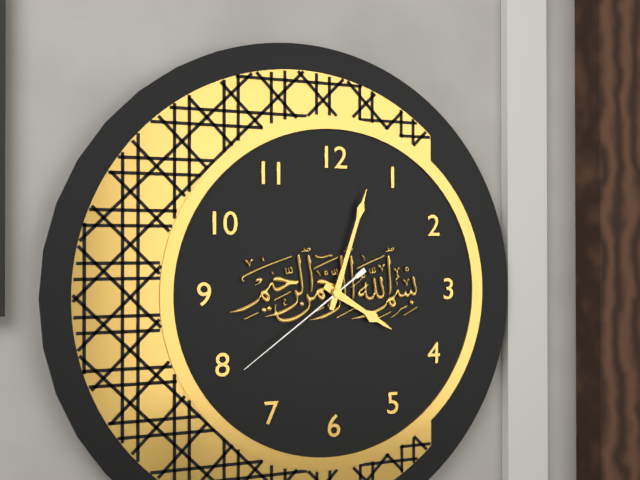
4:03:39
